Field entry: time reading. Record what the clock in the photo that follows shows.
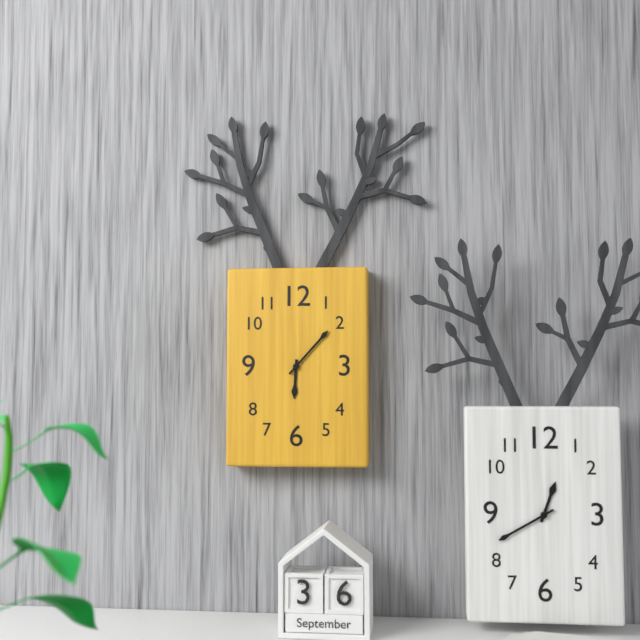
6:07
